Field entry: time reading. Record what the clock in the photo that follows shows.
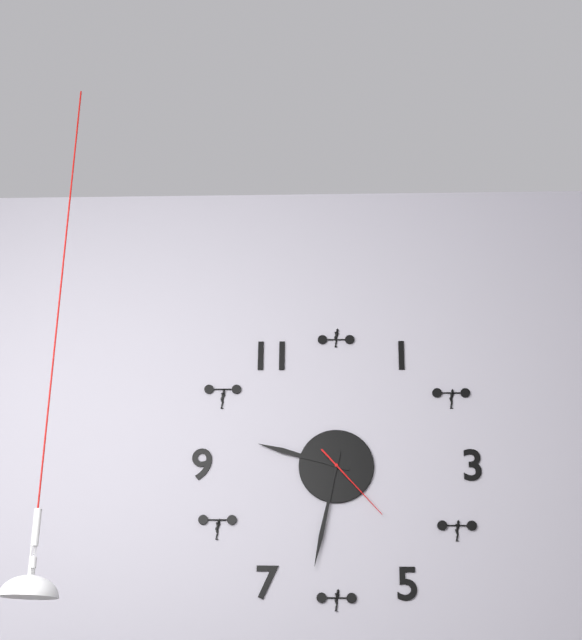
9:32:23
